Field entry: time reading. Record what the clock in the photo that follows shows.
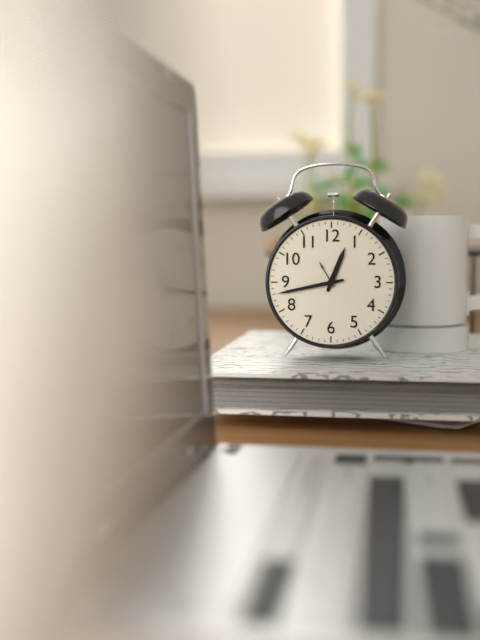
12:43
